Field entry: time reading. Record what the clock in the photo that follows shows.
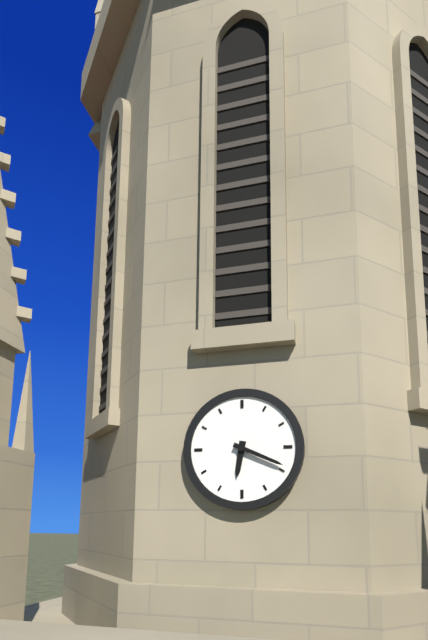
6:19
